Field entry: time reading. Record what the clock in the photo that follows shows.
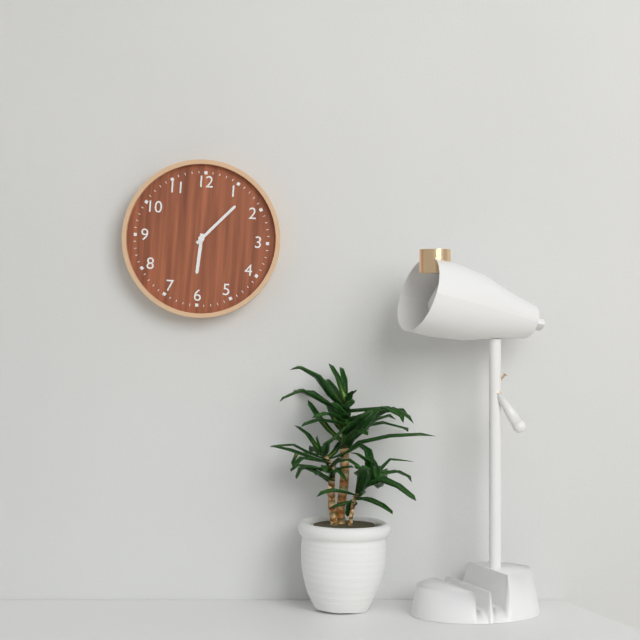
6:07
